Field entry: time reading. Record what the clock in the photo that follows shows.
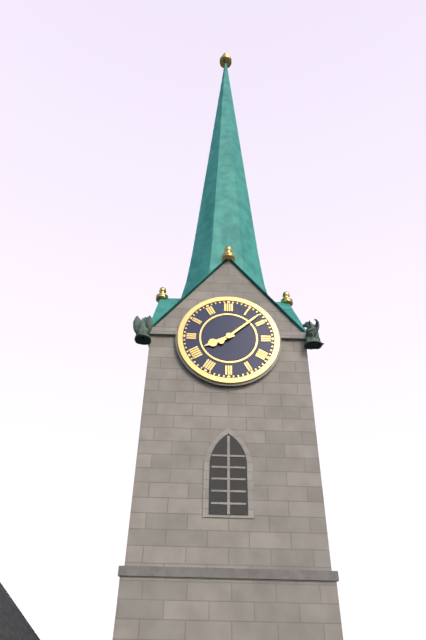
8:08
